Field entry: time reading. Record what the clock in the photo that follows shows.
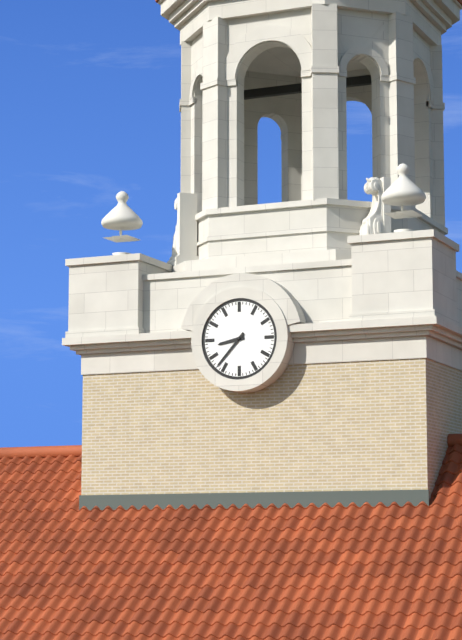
8:37
